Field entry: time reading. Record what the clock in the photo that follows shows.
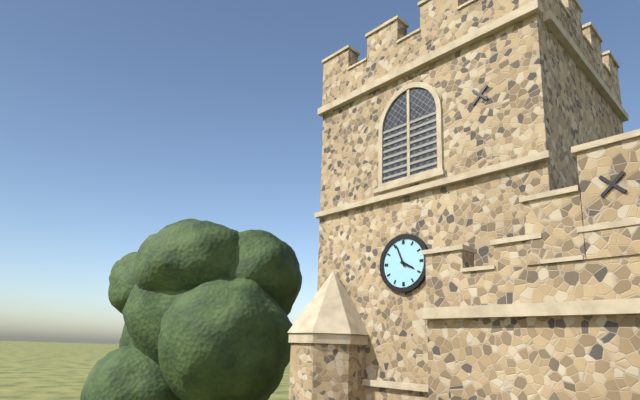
3:56
